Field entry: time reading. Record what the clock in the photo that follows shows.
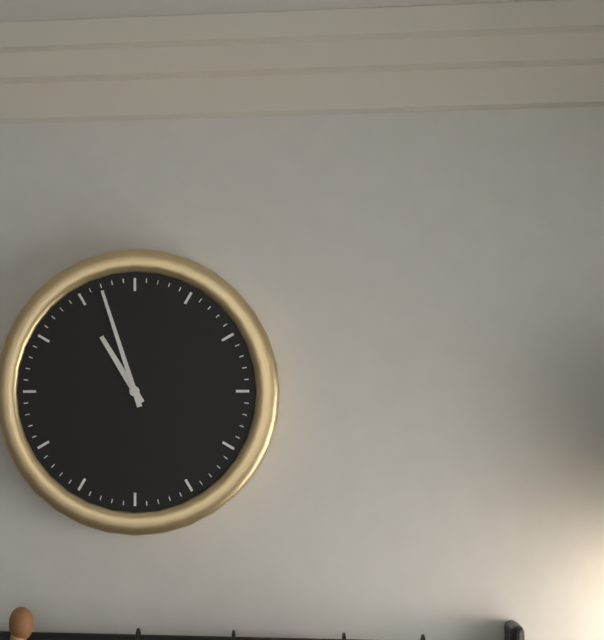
10:57
